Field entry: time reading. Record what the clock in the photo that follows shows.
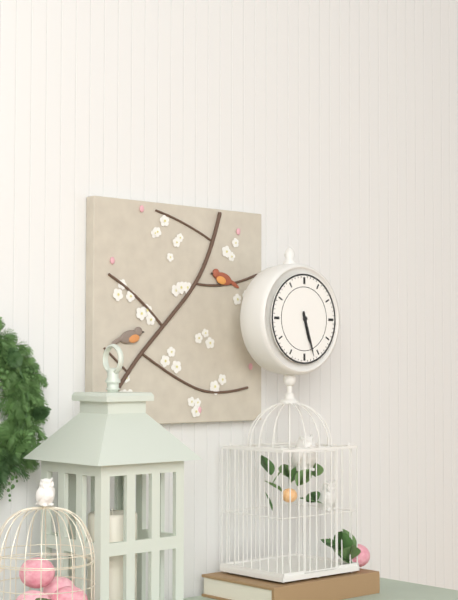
5:27
